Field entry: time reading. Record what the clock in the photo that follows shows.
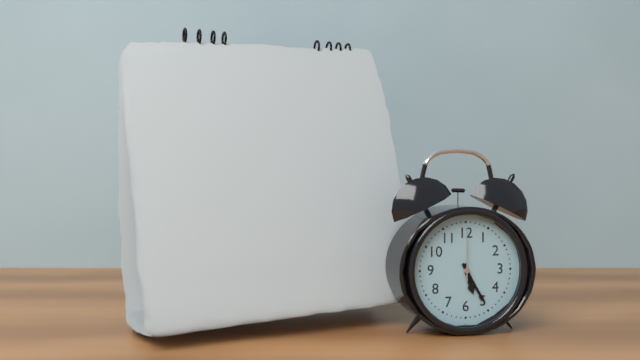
5:25:00
